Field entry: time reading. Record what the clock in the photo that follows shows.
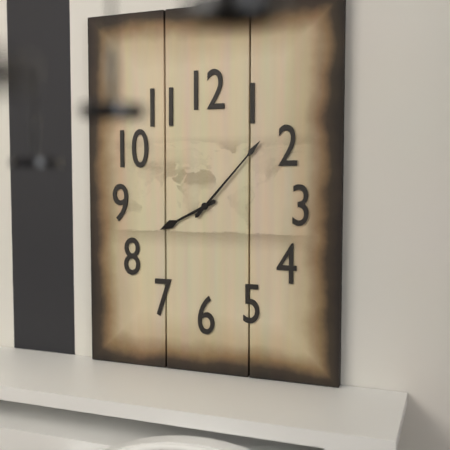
8:07
